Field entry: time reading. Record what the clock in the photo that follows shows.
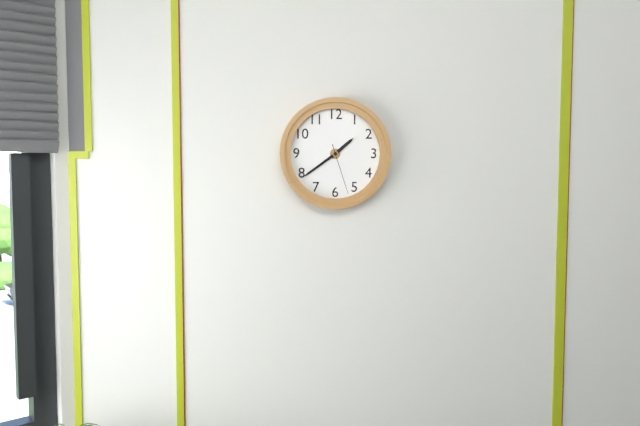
1:39:27
